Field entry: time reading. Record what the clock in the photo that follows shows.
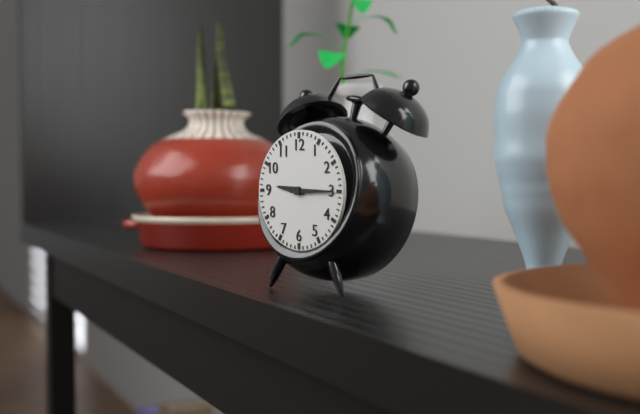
9:15
